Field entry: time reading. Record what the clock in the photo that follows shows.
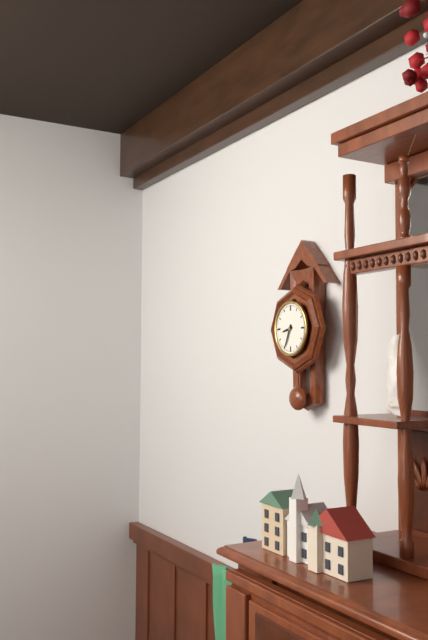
8:34
